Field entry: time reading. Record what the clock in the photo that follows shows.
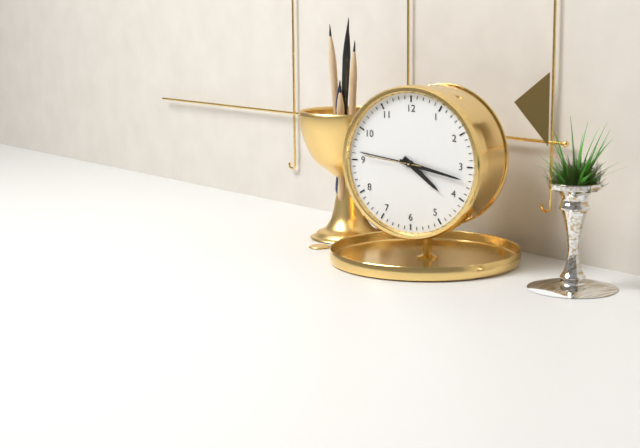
4:17:46
